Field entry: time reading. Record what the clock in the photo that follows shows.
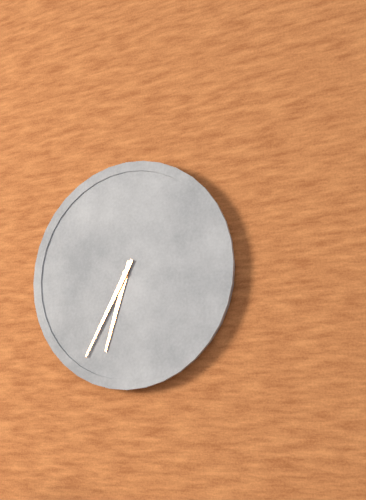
6:35
